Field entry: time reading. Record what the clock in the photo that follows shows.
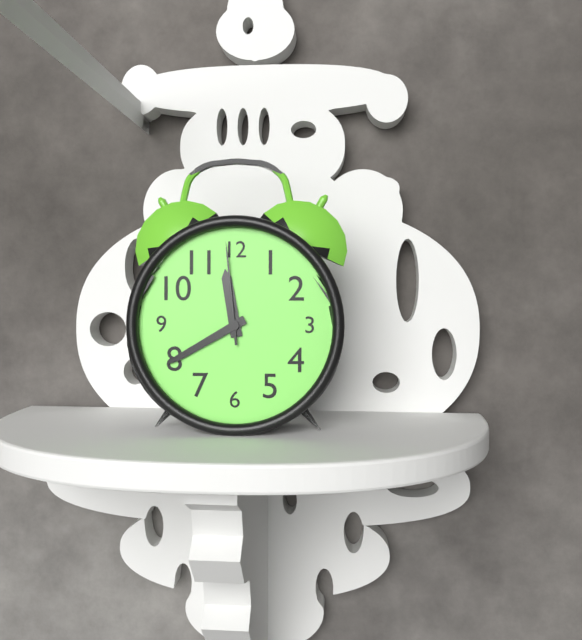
11:40:59
